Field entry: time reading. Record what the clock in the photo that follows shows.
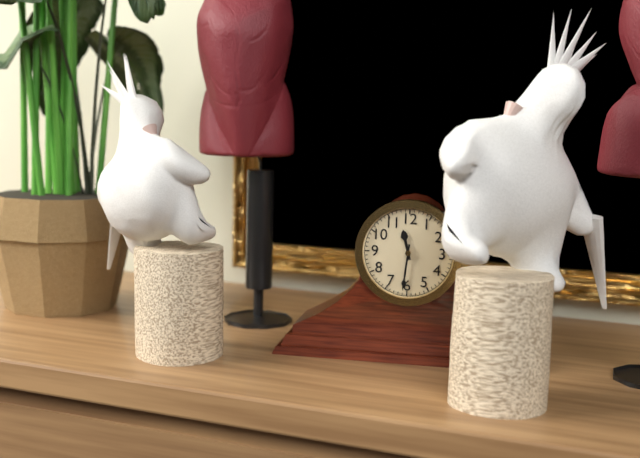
11:31
